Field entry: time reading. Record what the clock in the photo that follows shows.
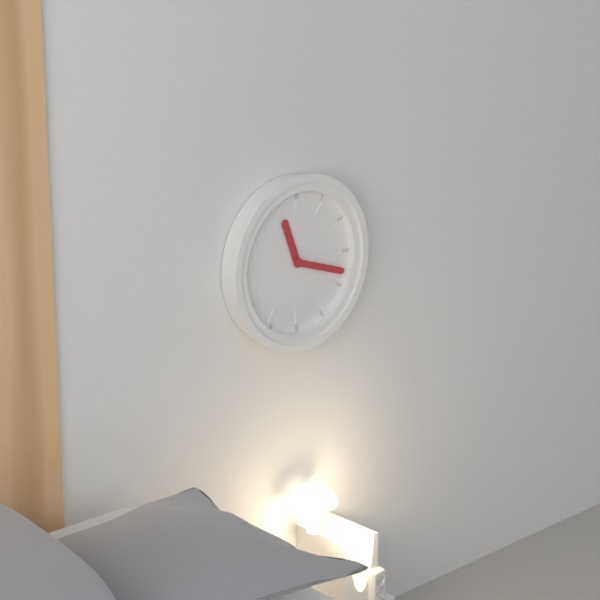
11:18
